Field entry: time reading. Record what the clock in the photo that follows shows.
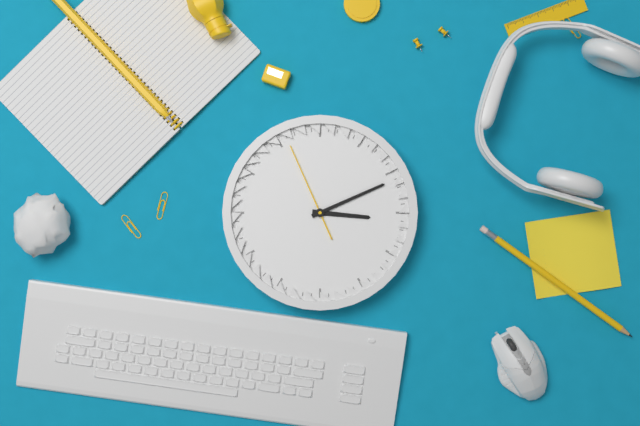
3:11:56
